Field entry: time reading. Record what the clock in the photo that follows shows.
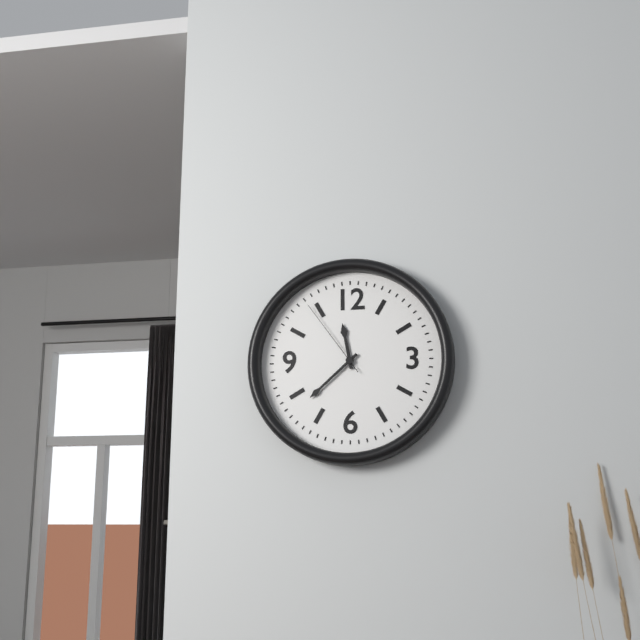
11:38:54
